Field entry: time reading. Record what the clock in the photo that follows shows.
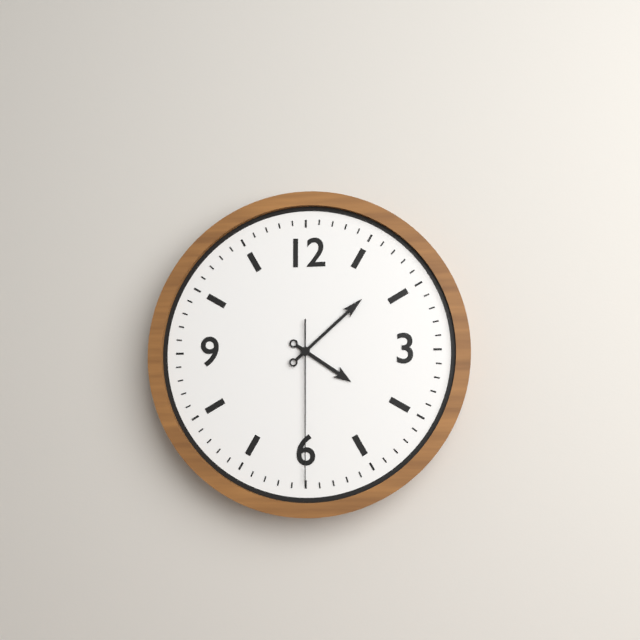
4:08:30
